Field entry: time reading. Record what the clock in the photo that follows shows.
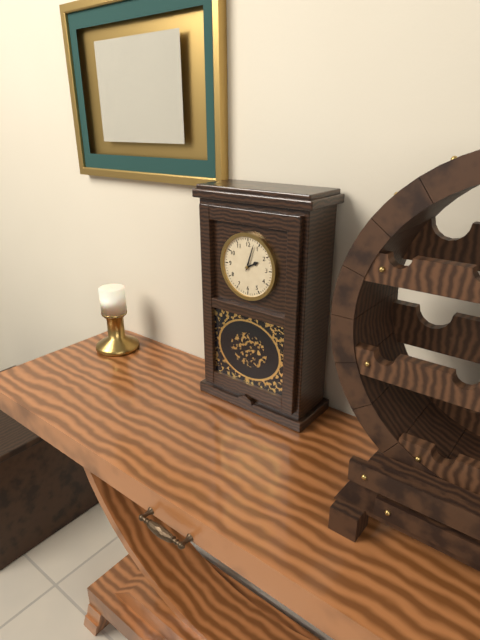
2:03
